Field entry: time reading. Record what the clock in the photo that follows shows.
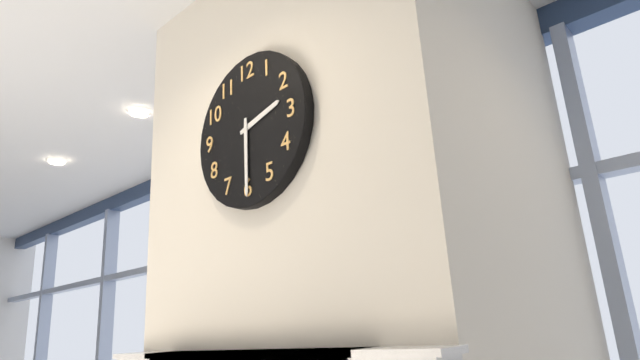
2:30
